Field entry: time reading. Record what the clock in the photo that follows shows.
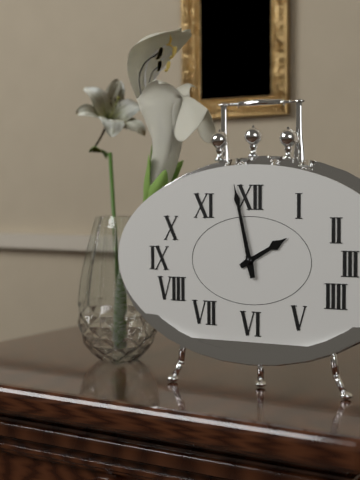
1:58
